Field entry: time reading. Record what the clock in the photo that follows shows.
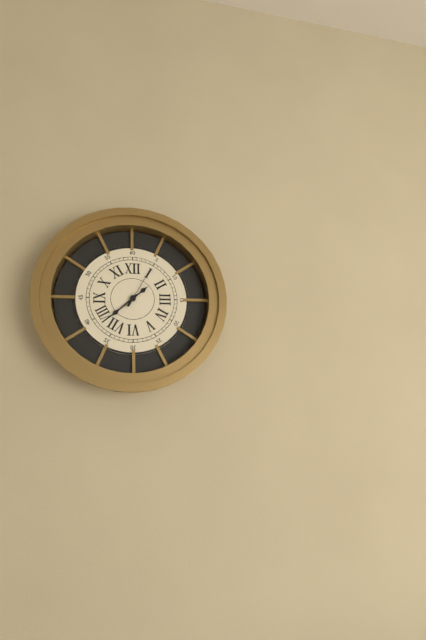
1:38
